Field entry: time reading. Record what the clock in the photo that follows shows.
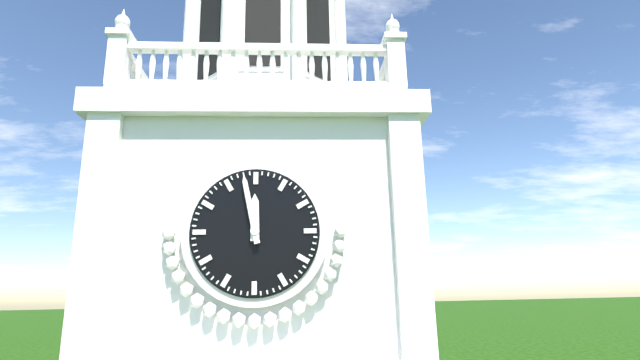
11:58
